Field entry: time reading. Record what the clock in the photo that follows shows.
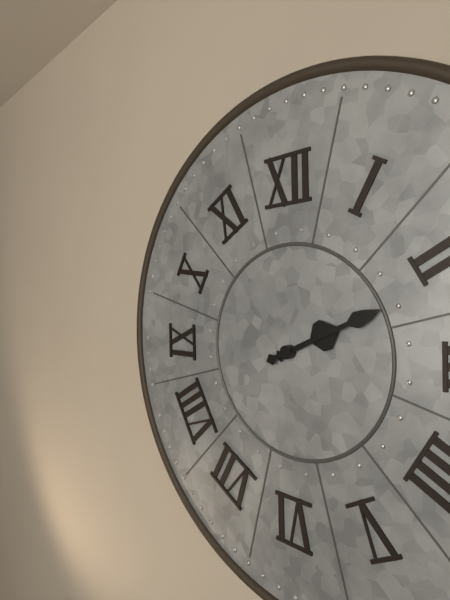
2:11
